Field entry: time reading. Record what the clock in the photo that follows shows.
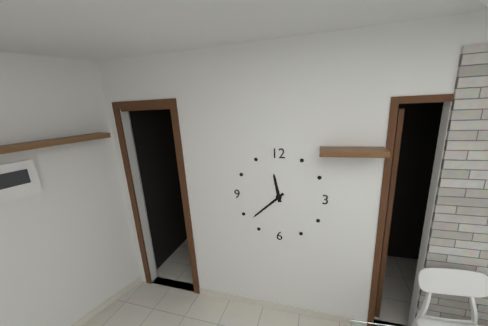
11:38
